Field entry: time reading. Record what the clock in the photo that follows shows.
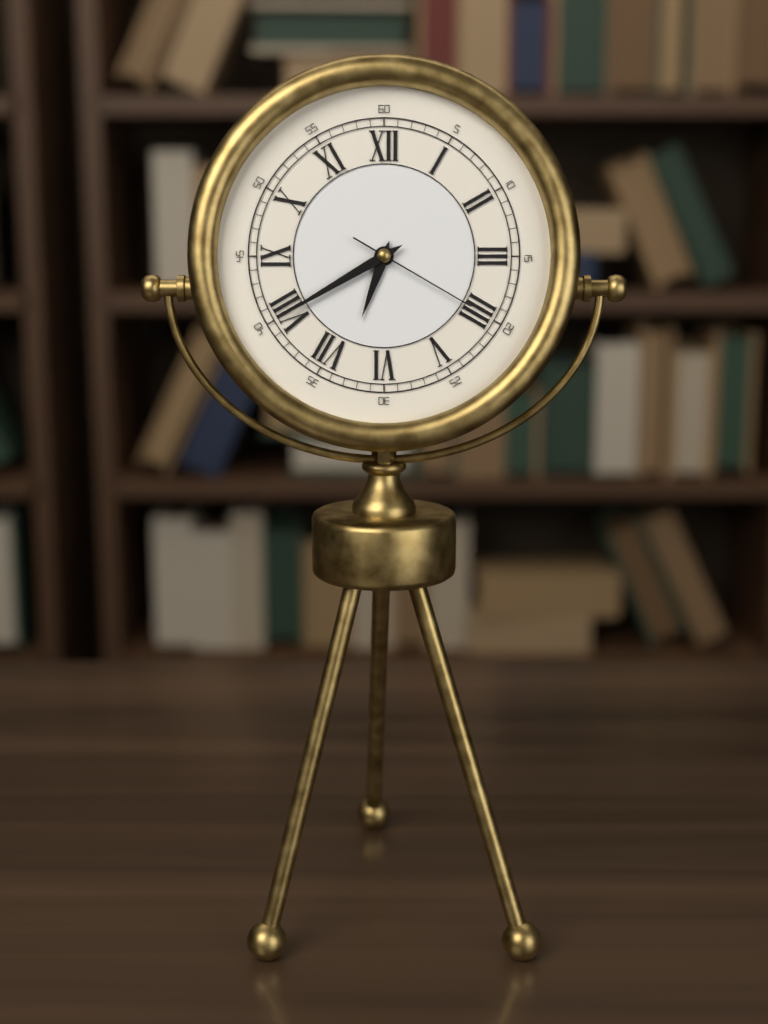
6:40:20
